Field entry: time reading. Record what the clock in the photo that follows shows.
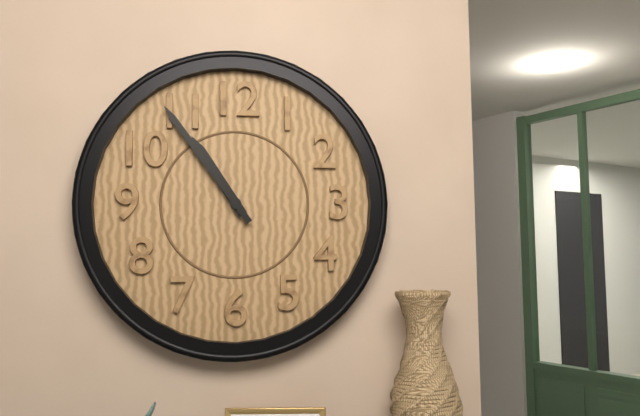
10:54
